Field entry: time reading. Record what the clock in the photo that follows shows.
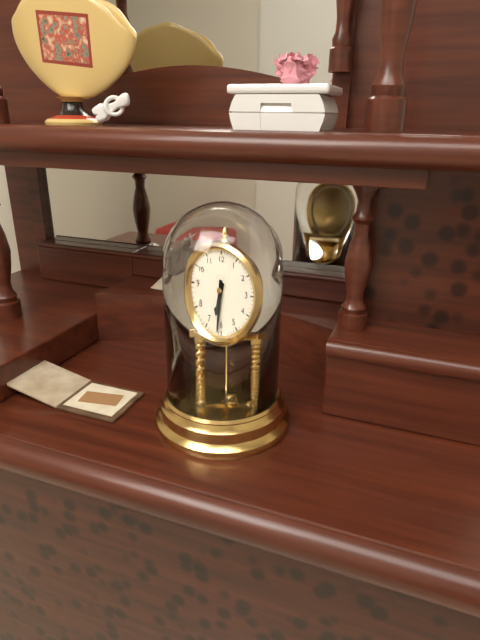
6:31
